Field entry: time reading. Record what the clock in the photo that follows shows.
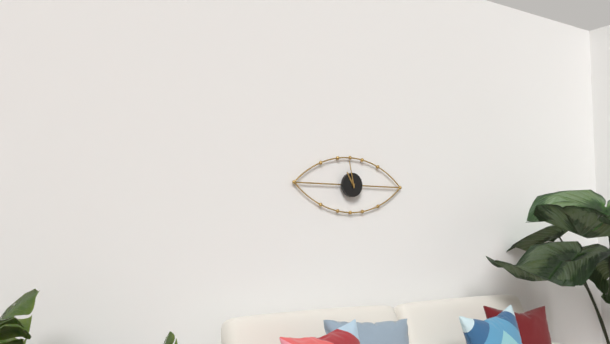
10:58
